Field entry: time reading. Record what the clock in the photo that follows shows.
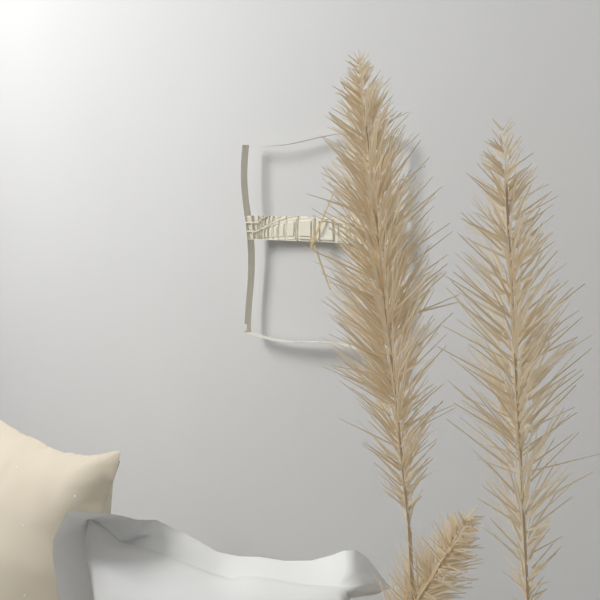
5:05
